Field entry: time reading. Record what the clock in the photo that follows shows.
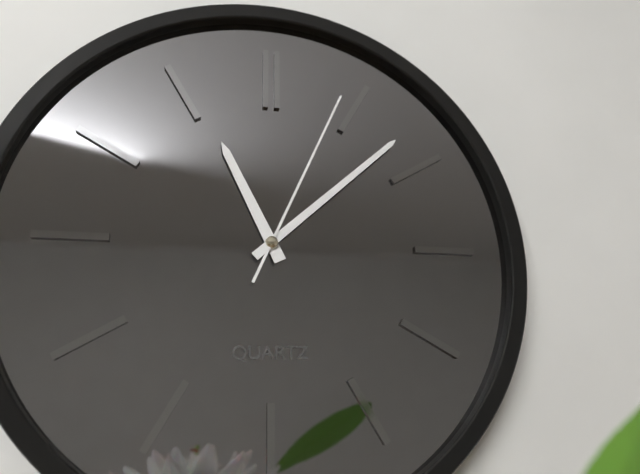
11:08:04
